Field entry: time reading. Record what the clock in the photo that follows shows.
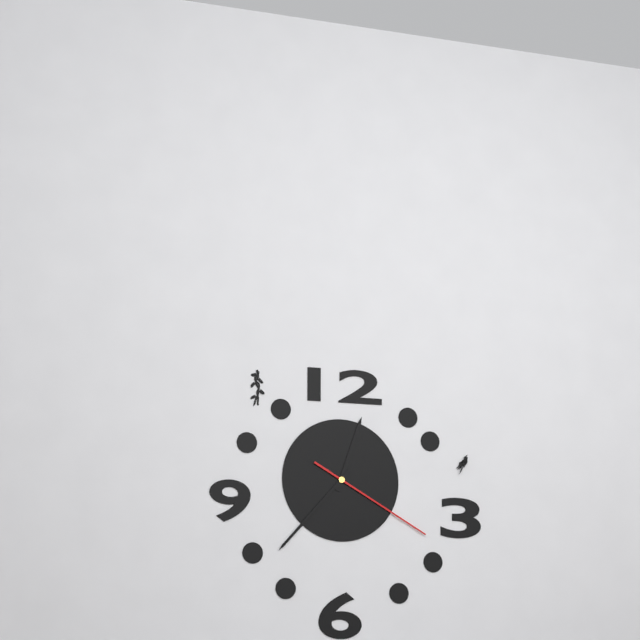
12:37:20
